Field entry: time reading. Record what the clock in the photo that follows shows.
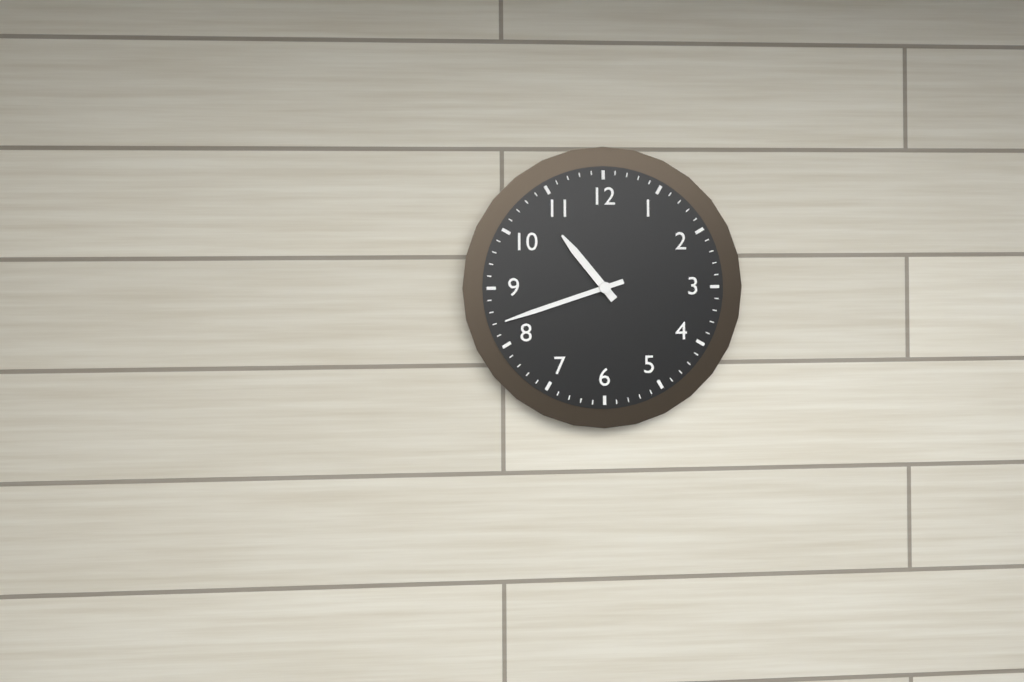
10:42
